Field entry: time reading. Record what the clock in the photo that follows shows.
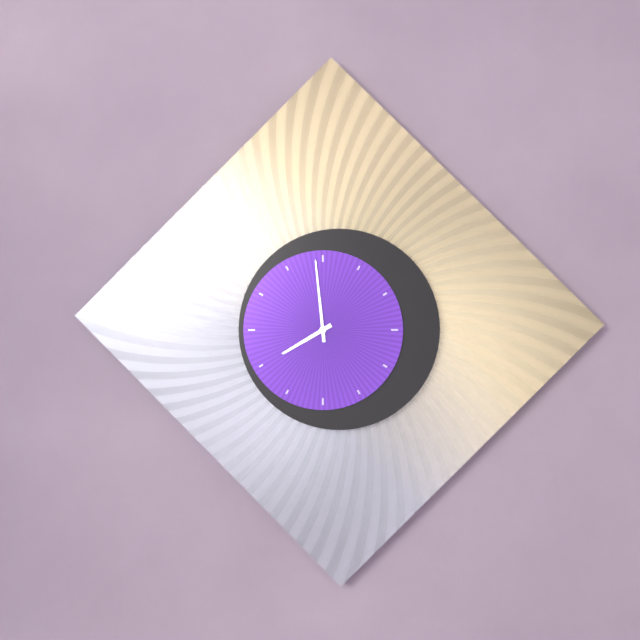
7:59
